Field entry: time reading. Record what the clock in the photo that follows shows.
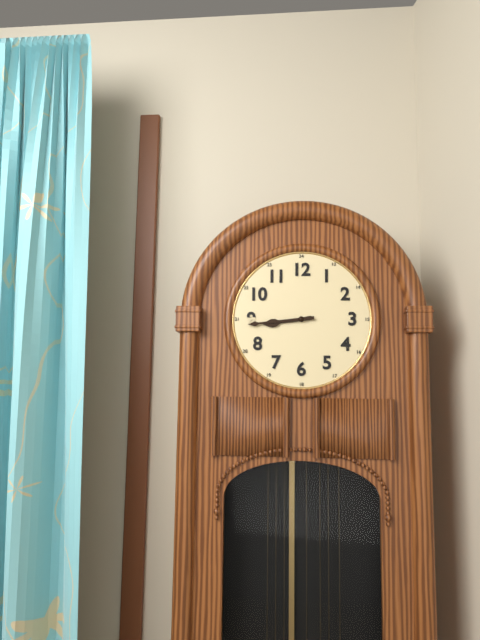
8:44
